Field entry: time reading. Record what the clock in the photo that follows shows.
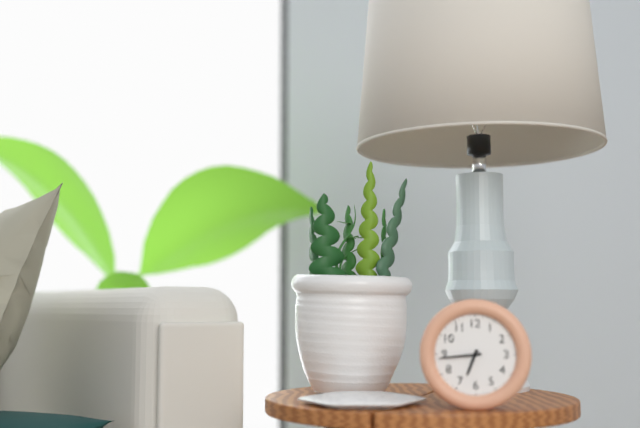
6:44
